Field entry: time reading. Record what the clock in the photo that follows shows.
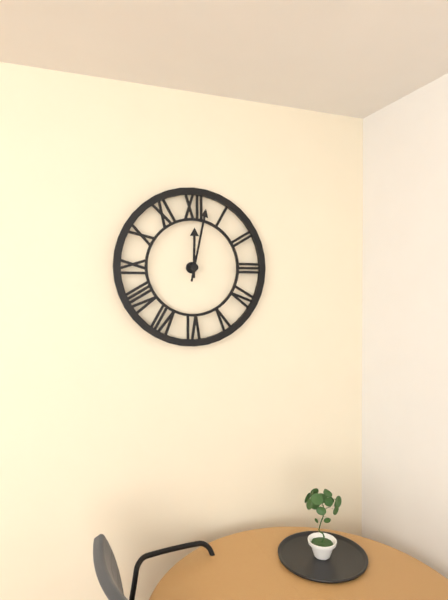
12:02
